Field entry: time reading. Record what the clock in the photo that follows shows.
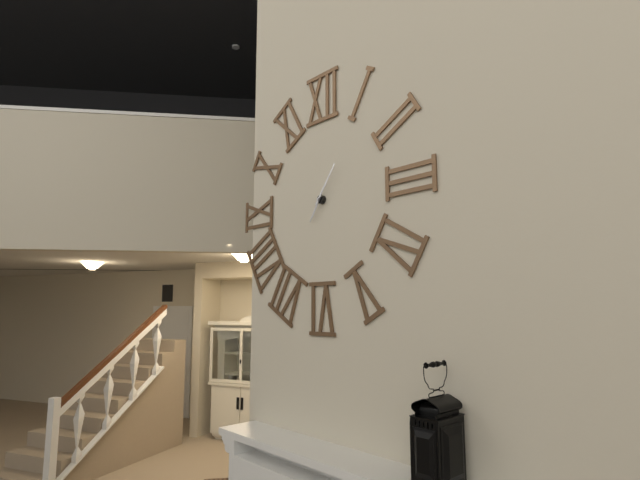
7:06
